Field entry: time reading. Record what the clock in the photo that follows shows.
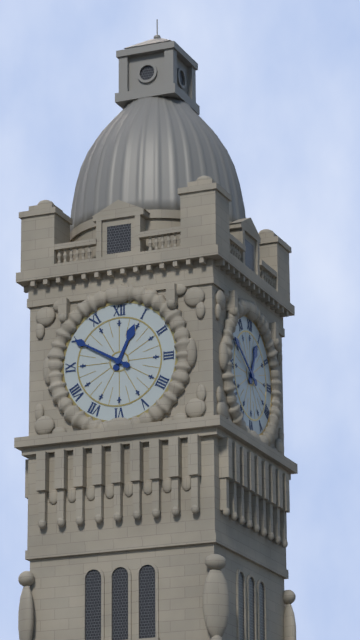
12:50
